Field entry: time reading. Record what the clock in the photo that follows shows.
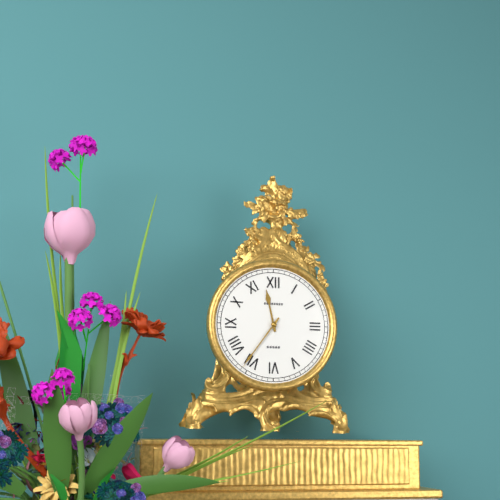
11:36
